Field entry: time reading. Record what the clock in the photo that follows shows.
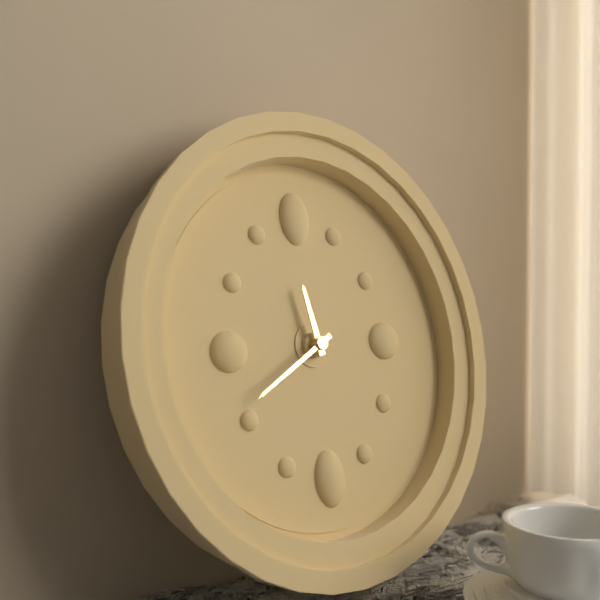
11:40
